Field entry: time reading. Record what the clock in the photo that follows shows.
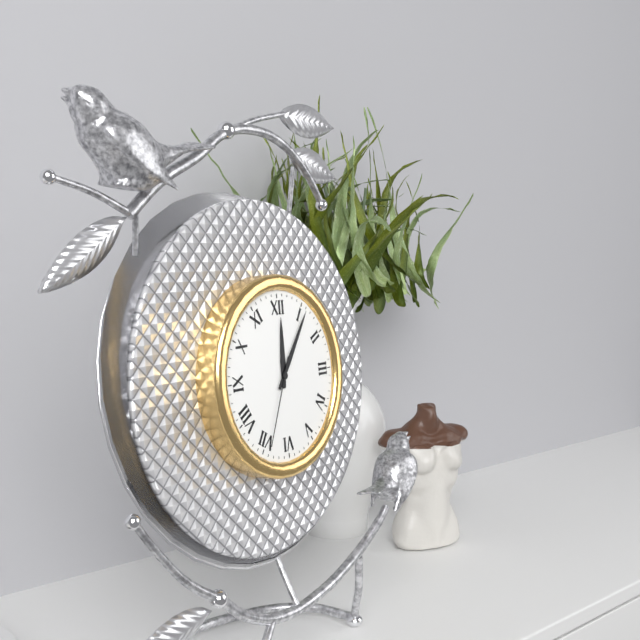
12:06:34
